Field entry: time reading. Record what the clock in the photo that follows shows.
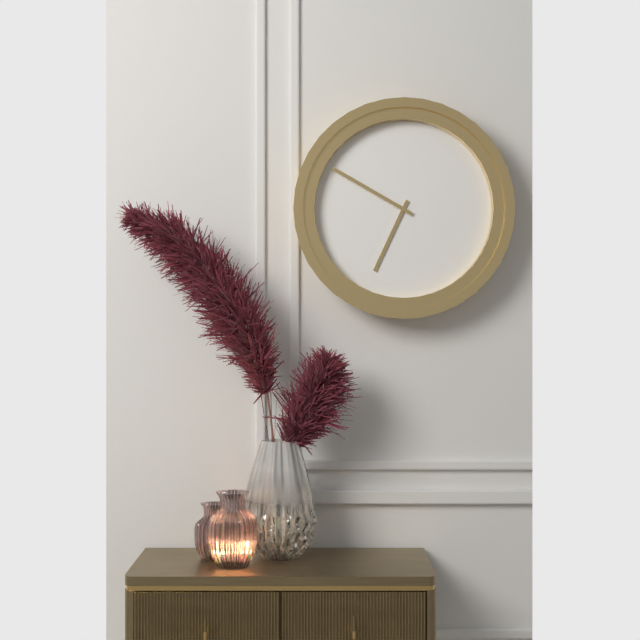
6:50
